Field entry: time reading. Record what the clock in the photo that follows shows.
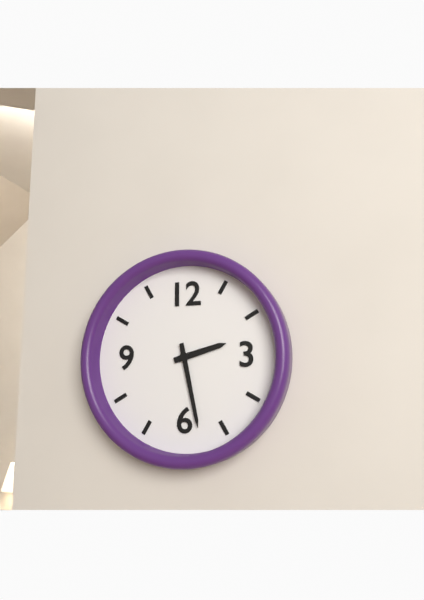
2:28
